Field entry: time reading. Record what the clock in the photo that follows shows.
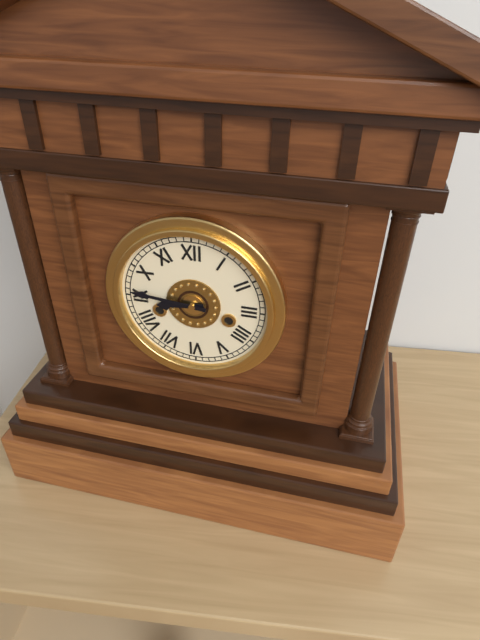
8:46
